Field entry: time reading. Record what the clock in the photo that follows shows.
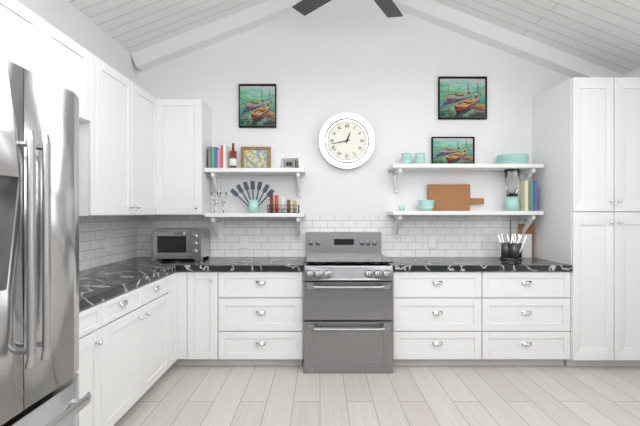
12:43
